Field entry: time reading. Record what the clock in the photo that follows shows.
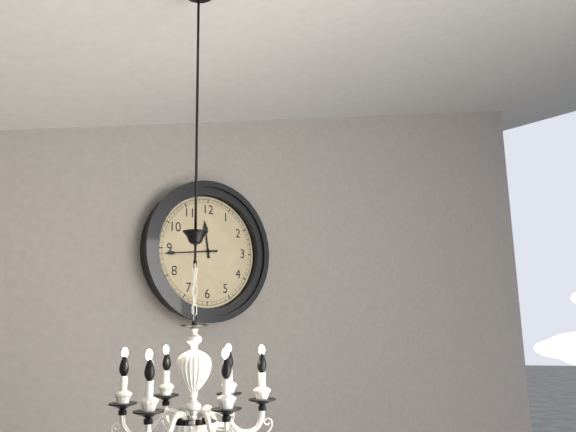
11:44
